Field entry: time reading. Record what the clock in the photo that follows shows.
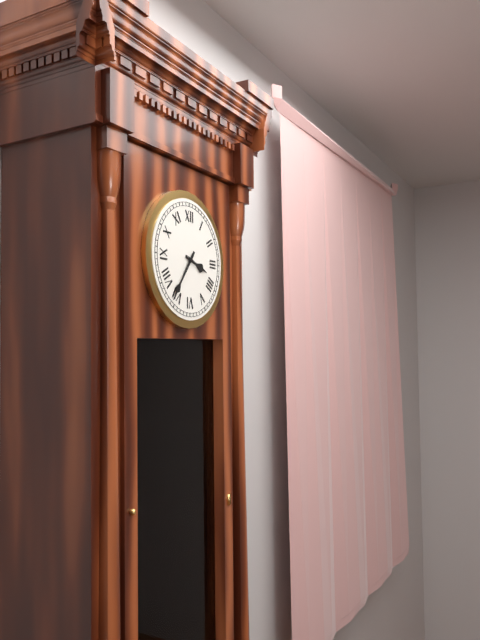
3:36
